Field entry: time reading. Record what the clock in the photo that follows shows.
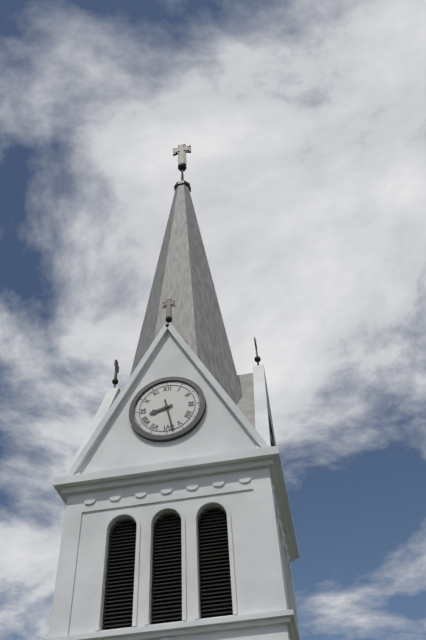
8:28
